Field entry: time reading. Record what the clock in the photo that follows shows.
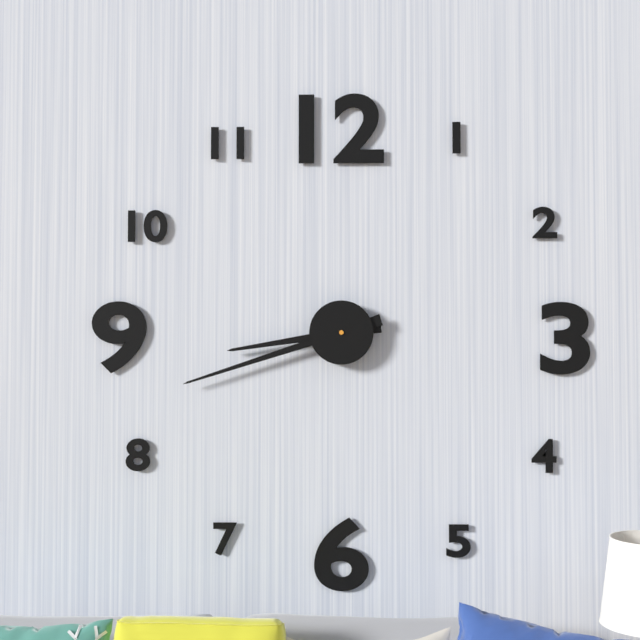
8:42
